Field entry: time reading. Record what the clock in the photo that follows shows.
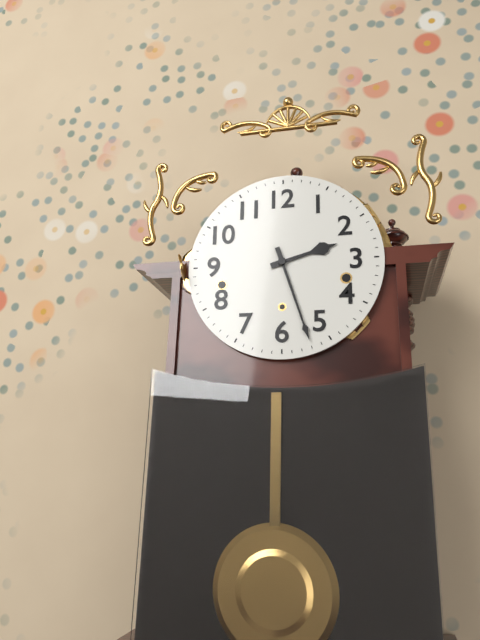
2:27
